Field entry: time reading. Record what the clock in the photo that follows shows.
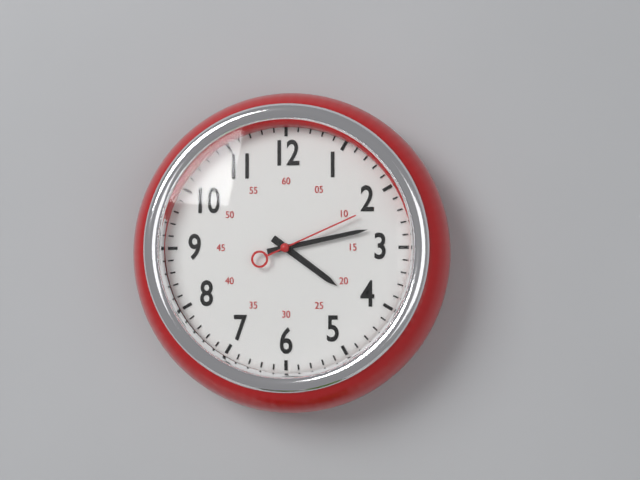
4:13:11
